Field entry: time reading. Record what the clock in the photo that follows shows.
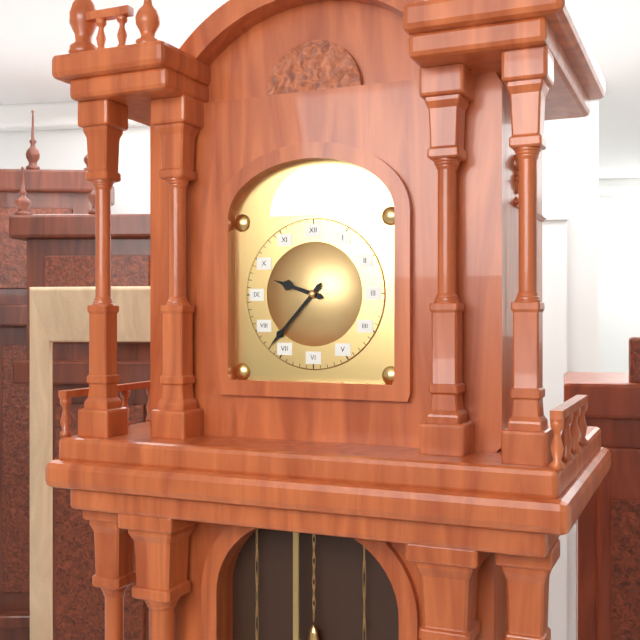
9:37
